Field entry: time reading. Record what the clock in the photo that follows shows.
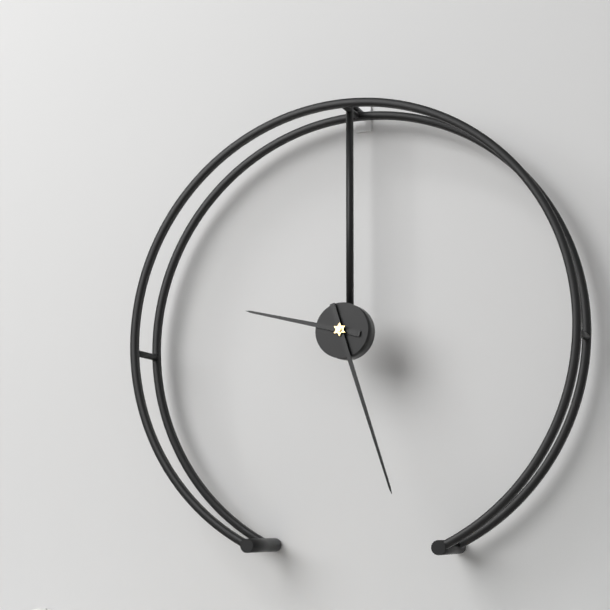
9:27
